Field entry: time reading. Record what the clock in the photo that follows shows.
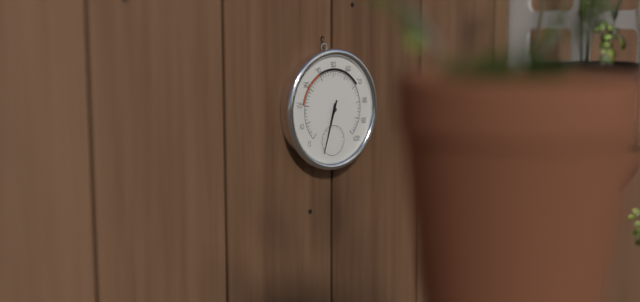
6:33
